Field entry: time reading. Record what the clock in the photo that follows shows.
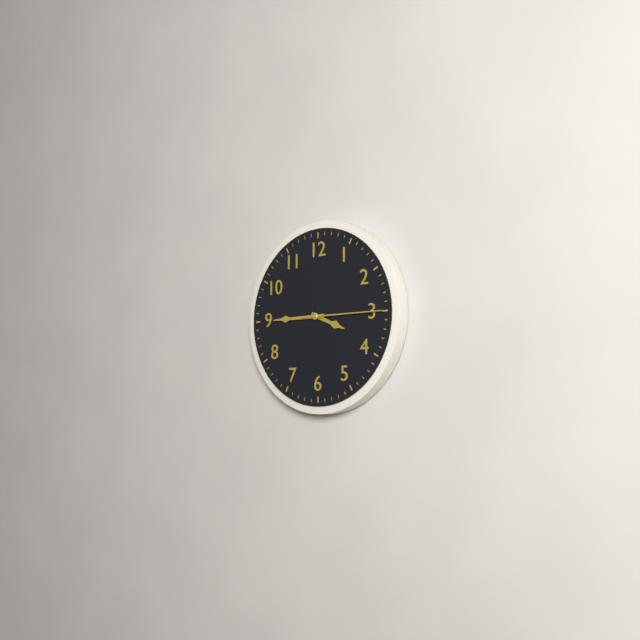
3:45:15
